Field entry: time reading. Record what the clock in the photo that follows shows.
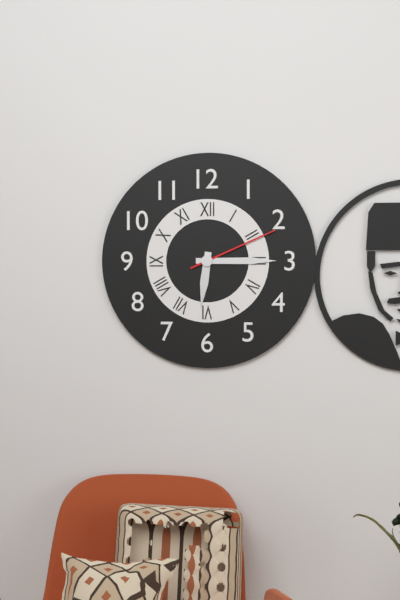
6:15:11
